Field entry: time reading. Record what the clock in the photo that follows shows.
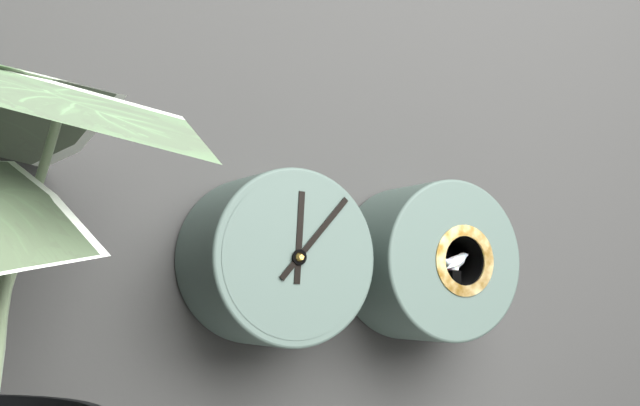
12:07
